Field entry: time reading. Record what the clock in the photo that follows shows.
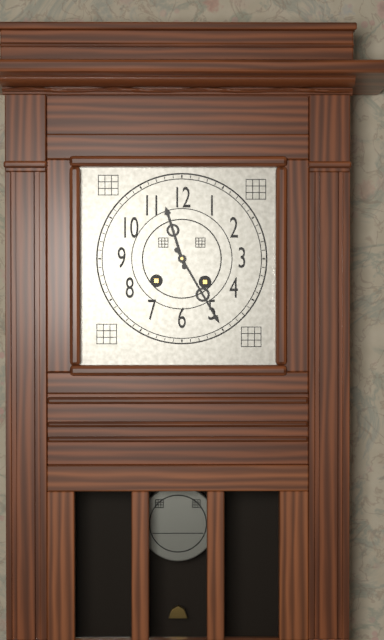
11:25
